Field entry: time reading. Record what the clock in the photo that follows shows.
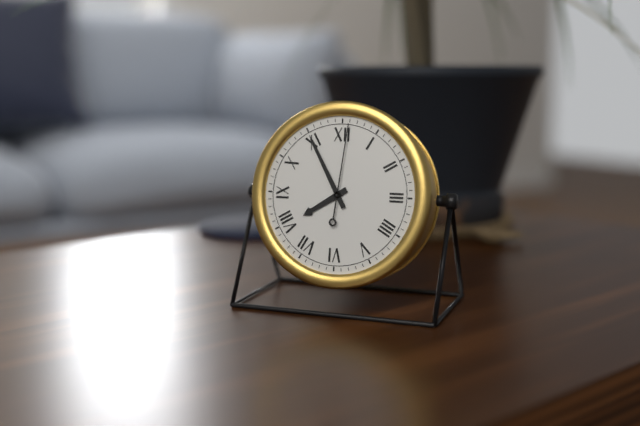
7:55:01
